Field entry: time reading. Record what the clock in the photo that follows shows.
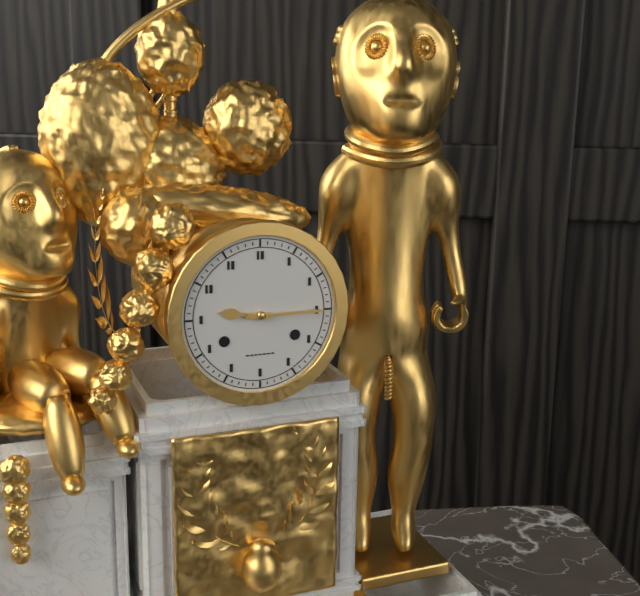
9:15
